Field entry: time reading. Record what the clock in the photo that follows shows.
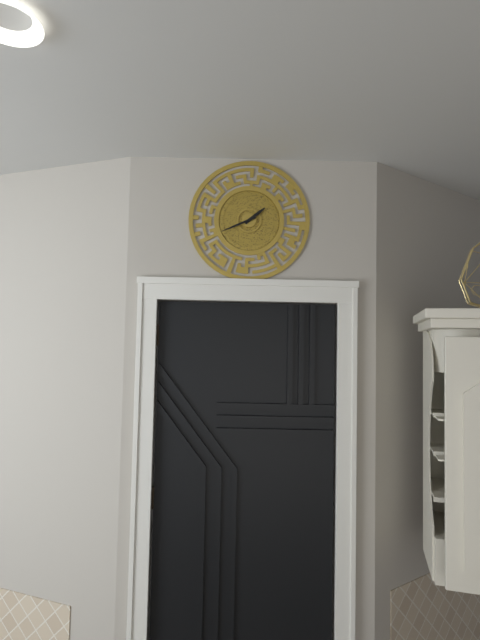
1:41
